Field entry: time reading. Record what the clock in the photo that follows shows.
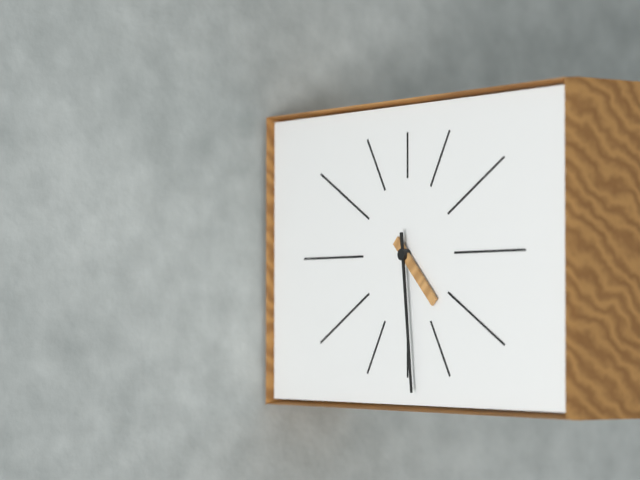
4:29
